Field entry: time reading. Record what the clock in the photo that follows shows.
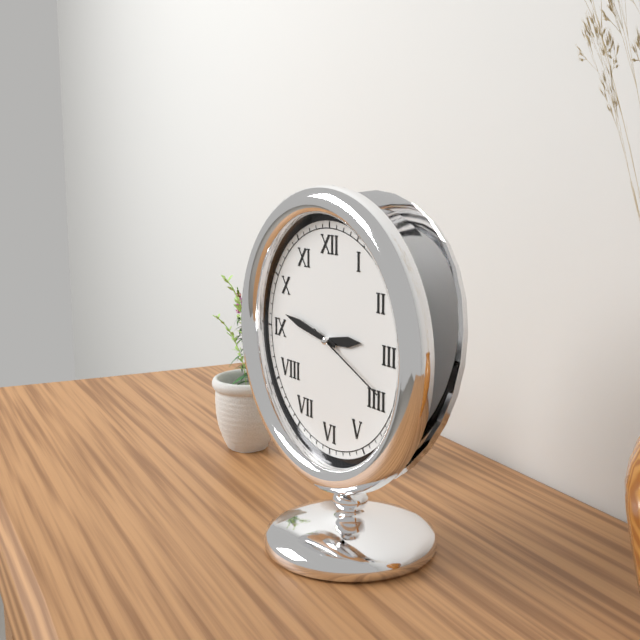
2:47:19
